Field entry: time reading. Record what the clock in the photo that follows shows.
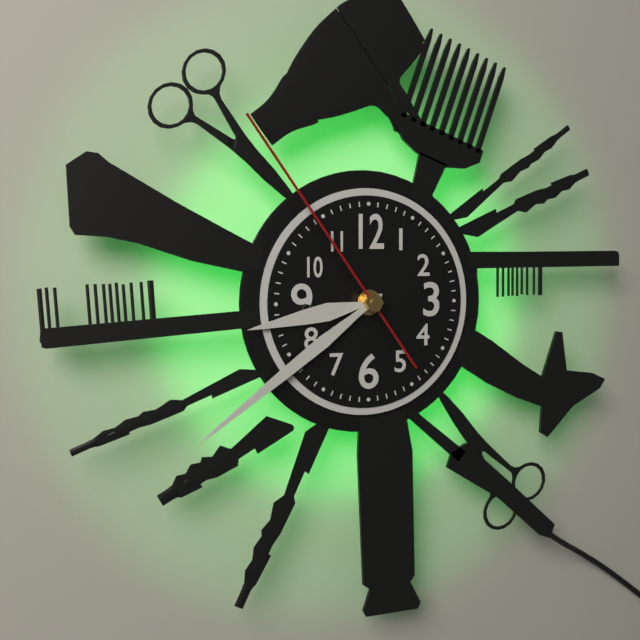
8:39:54
